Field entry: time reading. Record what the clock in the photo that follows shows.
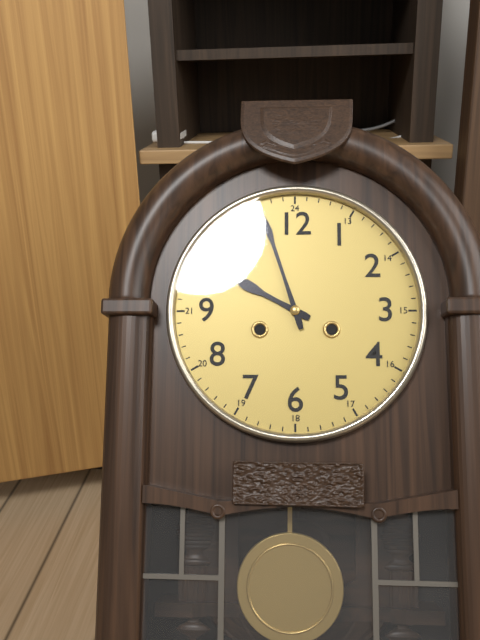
9:57
